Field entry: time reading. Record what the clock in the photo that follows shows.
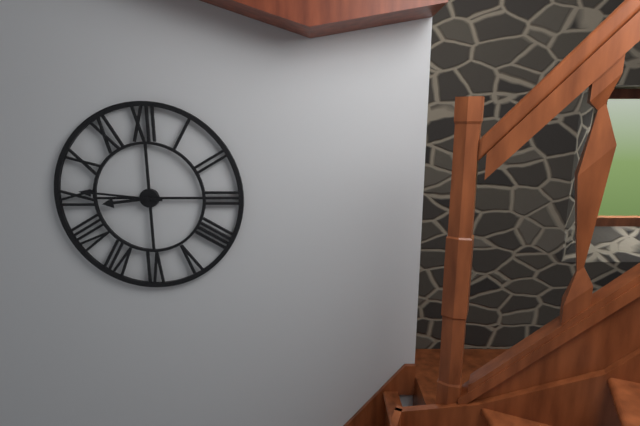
8:46
